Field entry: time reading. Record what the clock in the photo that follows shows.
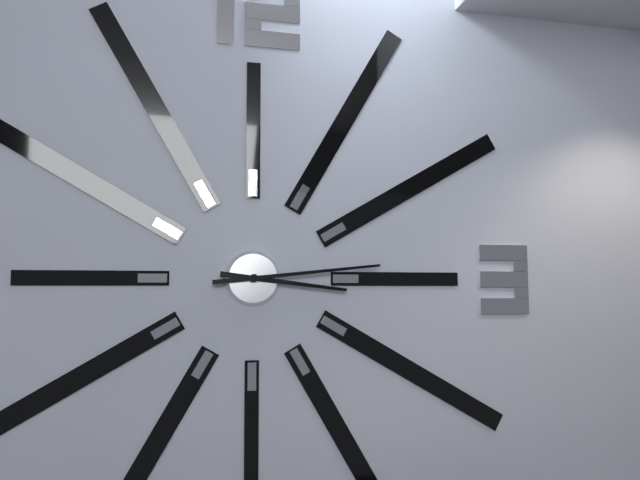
3:14
